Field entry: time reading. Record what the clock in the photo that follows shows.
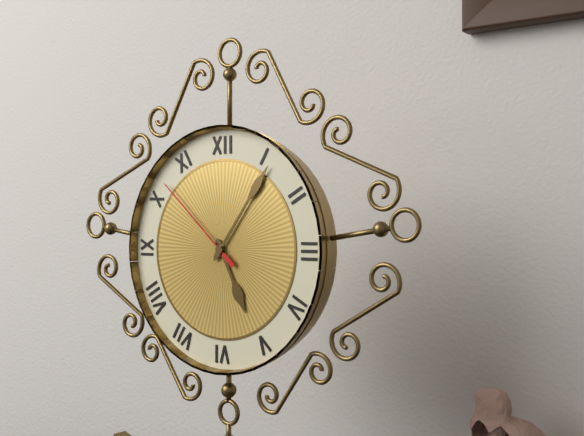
5:06:52
